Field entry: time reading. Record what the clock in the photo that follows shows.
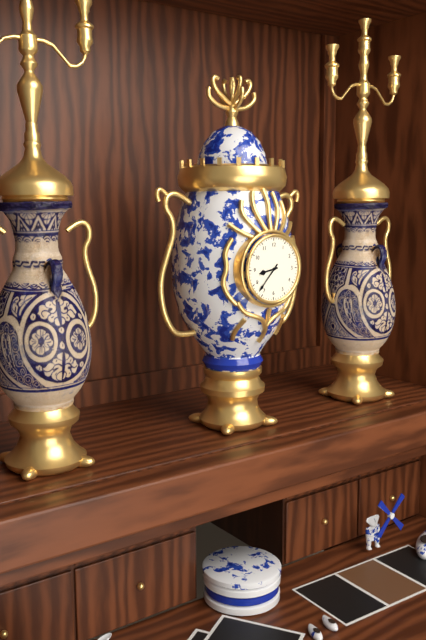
8:37
